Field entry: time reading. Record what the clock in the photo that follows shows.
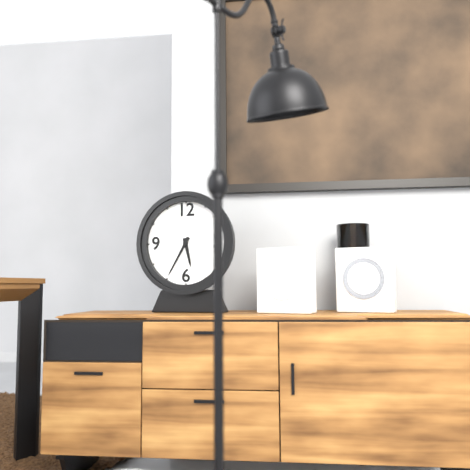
5:35
